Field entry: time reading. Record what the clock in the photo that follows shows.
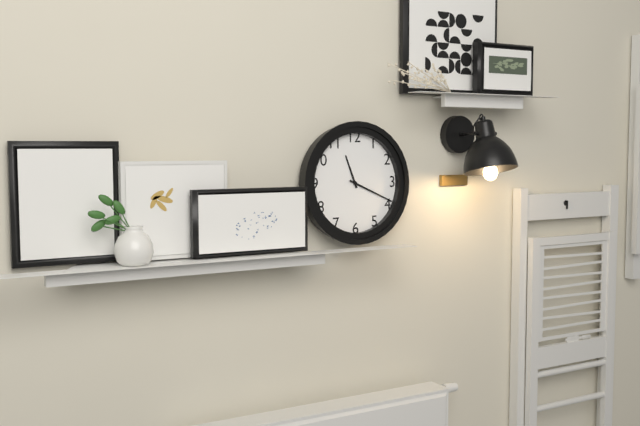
11:19
